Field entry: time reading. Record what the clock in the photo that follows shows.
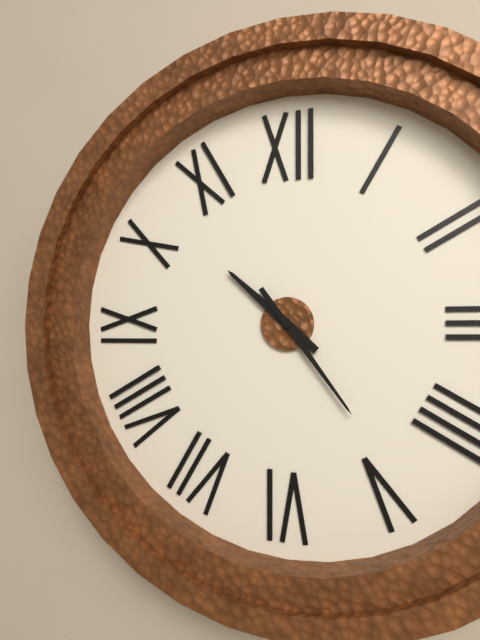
10:24
